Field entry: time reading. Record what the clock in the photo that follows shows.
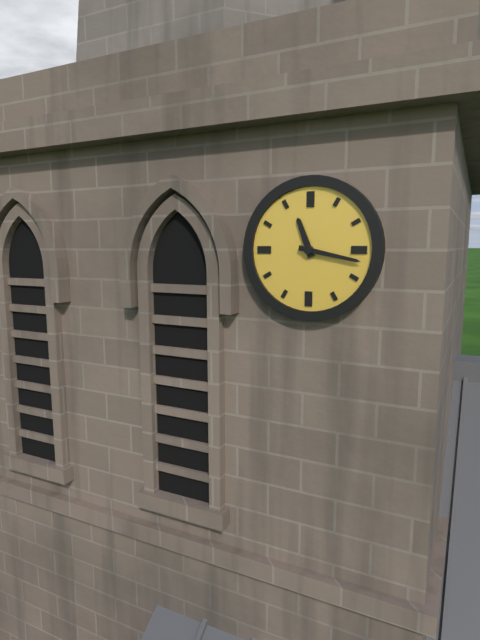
11:17
